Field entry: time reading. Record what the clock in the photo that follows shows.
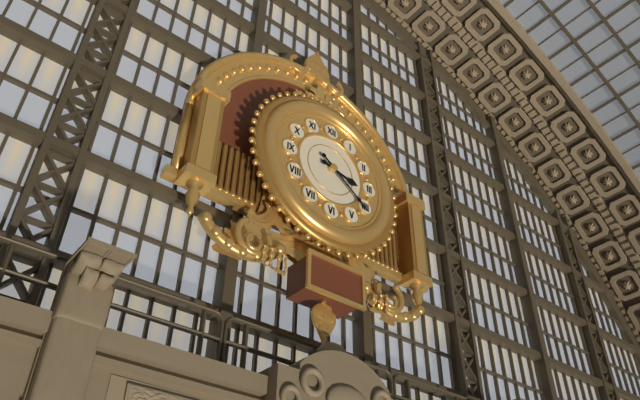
3:21
